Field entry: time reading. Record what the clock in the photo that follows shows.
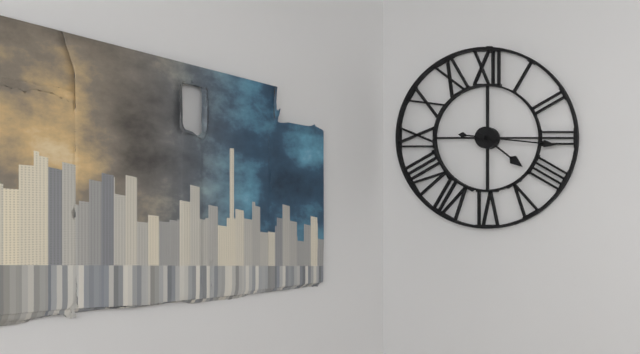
4:16
